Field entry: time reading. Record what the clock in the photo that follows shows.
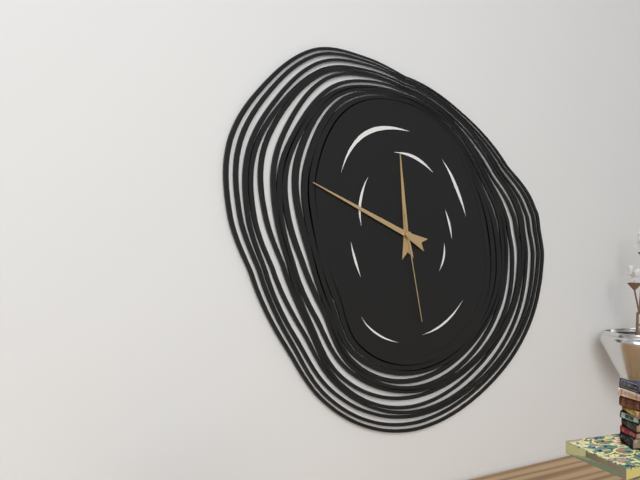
11:49:28
